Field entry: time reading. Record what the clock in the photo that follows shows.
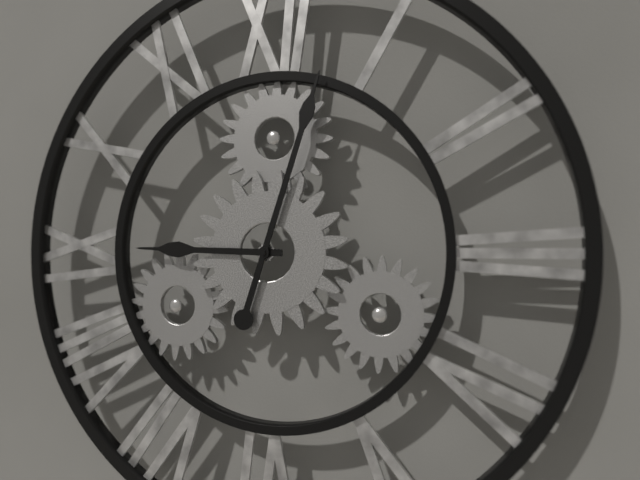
9:03
